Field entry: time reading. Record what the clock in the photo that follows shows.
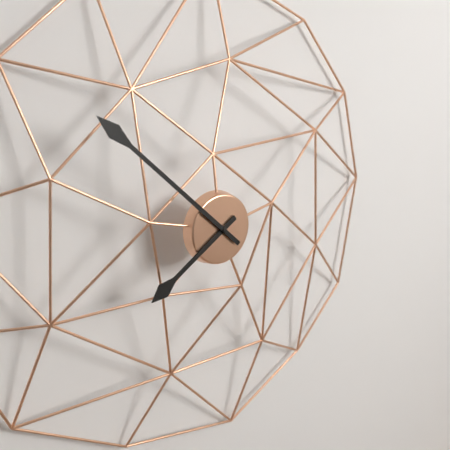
7:52
